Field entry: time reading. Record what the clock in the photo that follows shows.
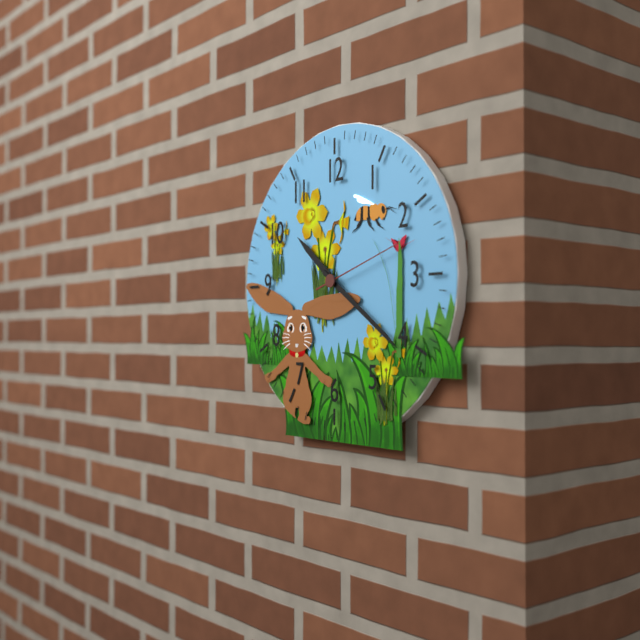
10:21:12
